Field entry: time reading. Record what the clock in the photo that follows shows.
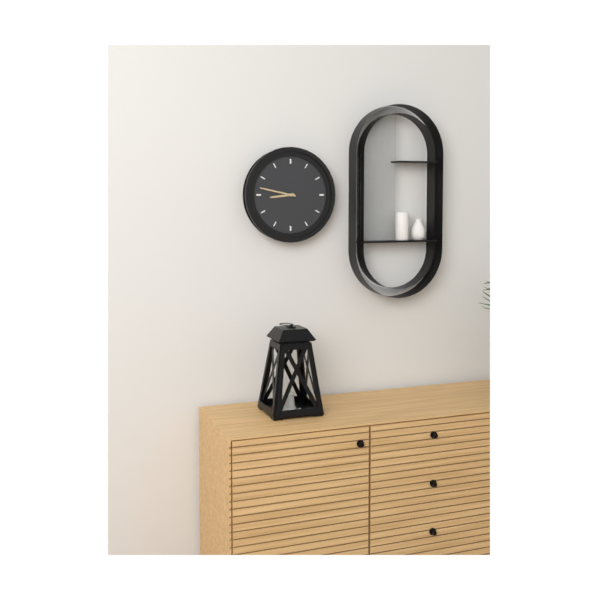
8:47
